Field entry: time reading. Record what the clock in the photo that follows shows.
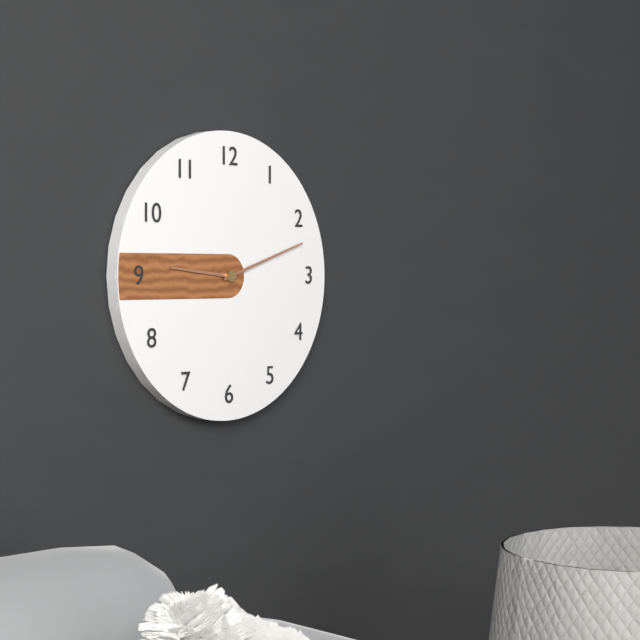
9:12
